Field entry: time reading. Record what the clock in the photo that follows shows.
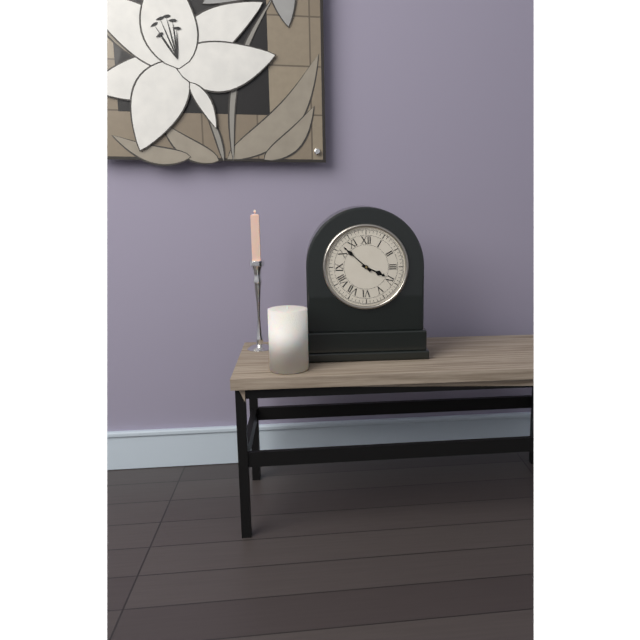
3:52
